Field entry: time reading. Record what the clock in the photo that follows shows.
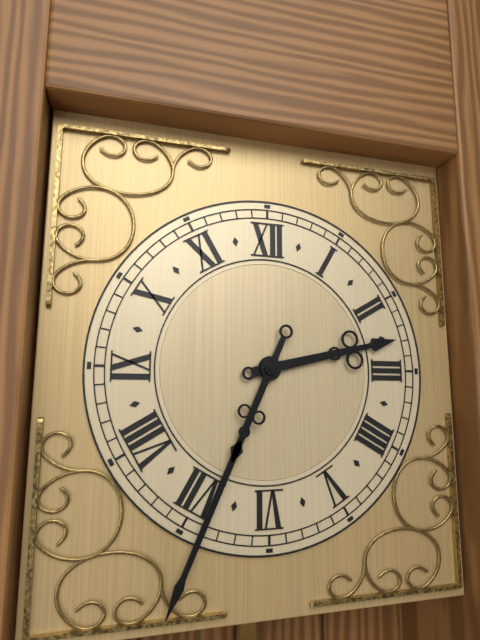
2:34
